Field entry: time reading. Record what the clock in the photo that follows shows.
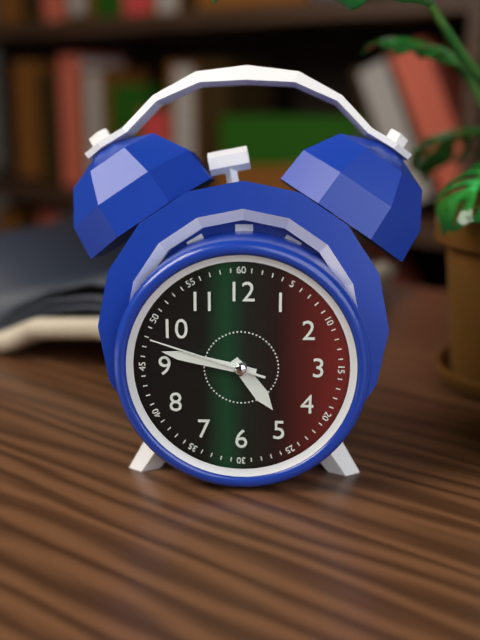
4:47:48
